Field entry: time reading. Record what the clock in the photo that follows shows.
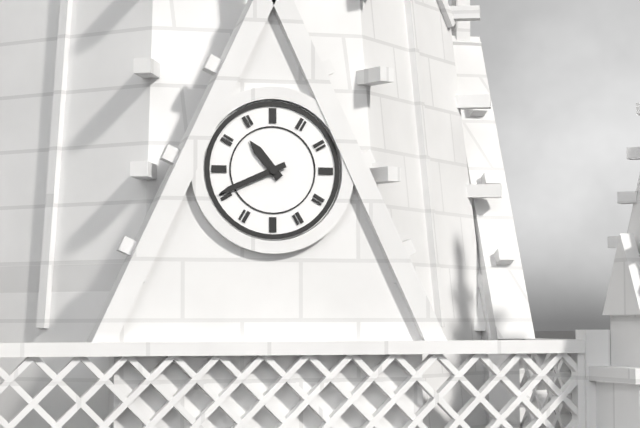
10:41
